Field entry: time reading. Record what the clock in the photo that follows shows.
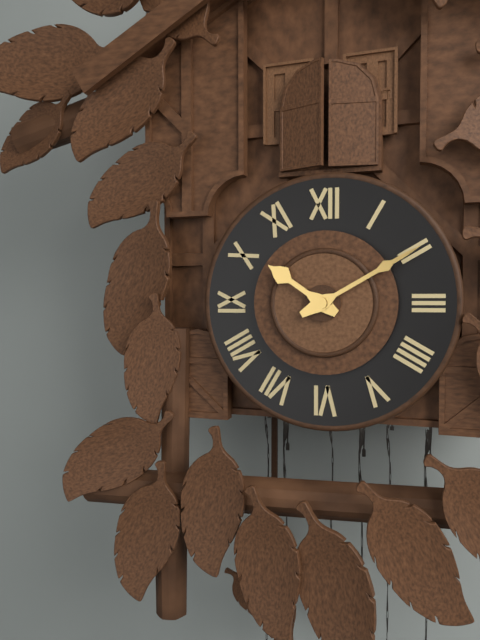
10:10
